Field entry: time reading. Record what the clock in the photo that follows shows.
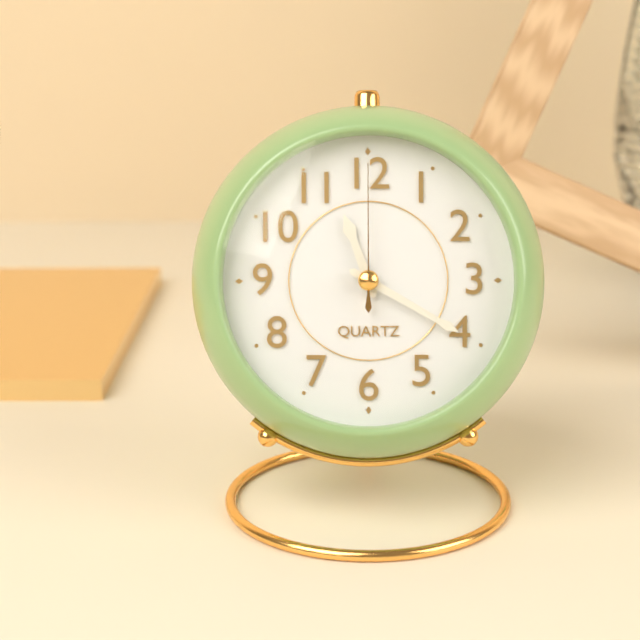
11:20:00
